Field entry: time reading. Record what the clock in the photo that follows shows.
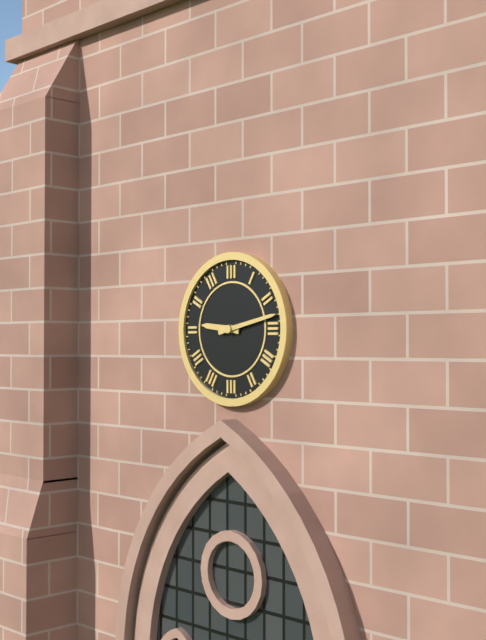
9:13
